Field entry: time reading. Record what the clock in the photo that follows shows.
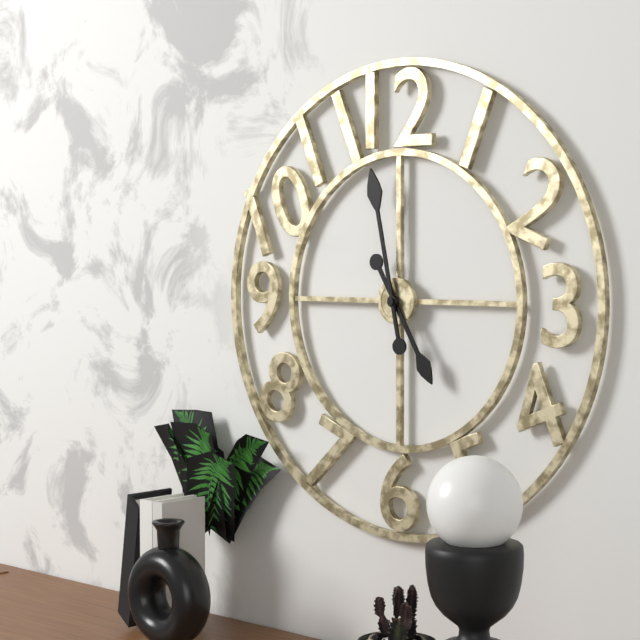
4:58
